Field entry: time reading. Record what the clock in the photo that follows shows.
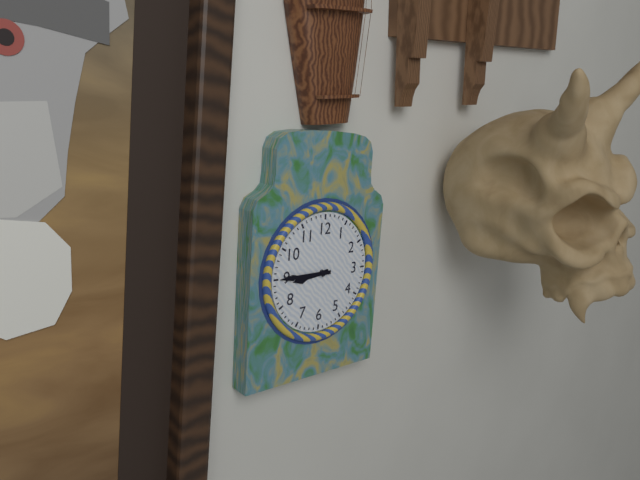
8:45
